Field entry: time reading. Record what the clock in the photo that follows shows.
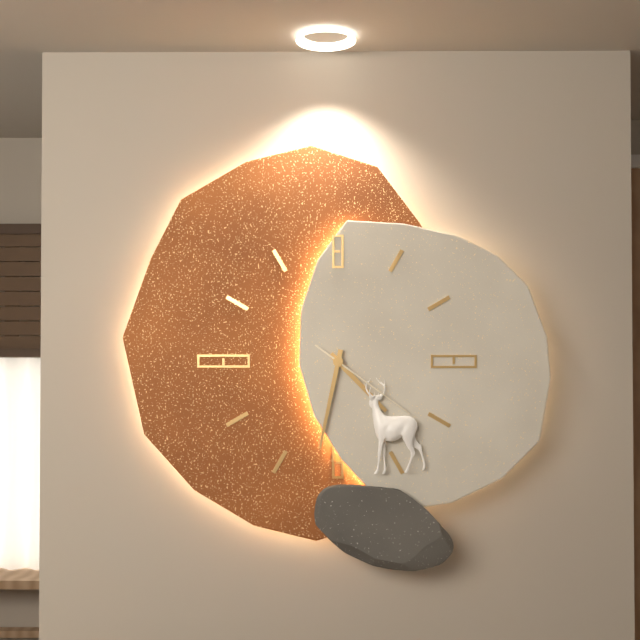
4:32:21
